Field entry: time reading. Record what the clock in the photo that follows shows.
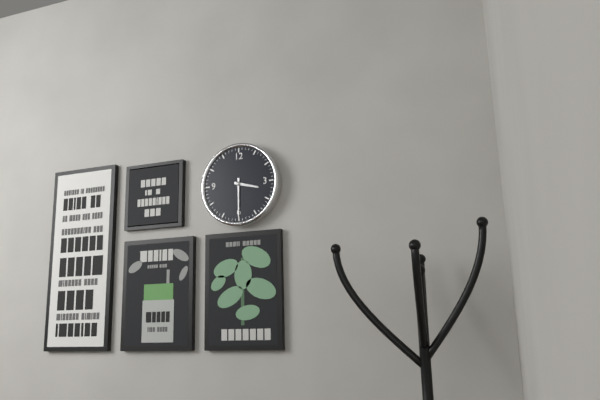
3:30
